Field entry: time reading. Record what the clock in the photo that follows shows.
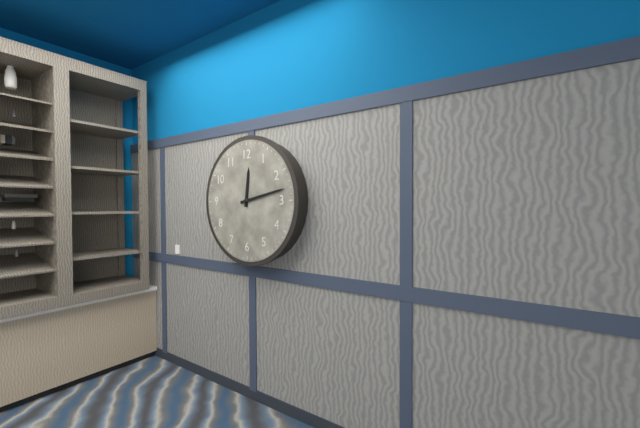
12:13
